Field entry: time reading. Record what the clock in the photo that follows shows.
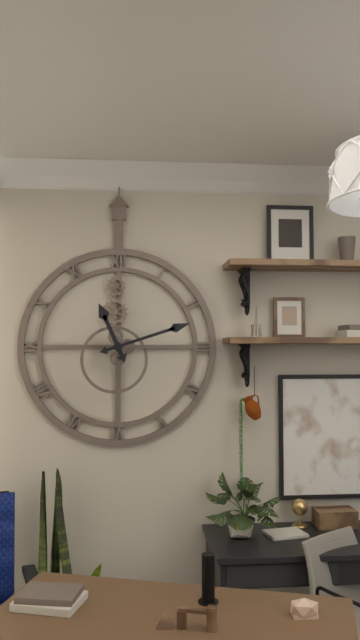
11:12
